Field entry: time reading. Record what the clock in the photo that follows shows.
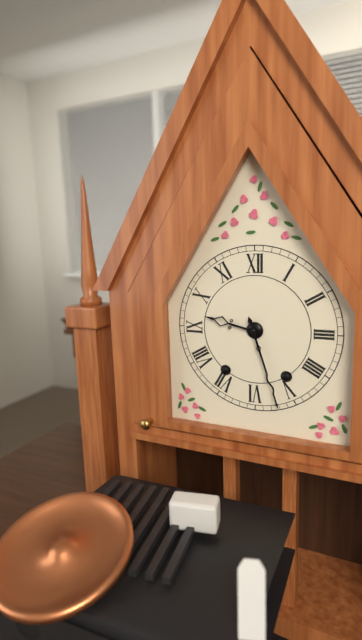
9:27
